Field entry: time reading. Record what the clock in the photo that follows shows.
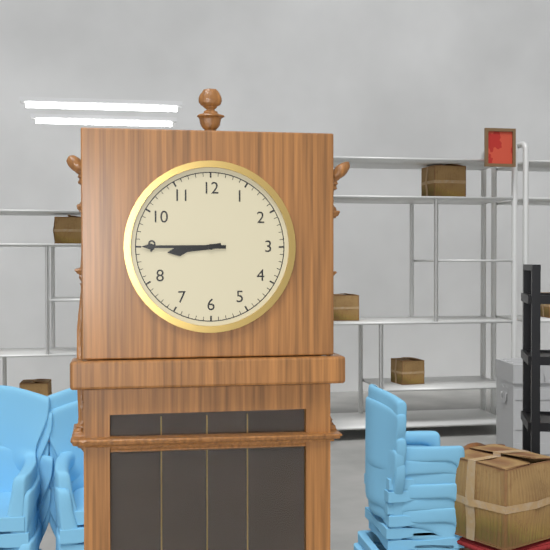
8:45
